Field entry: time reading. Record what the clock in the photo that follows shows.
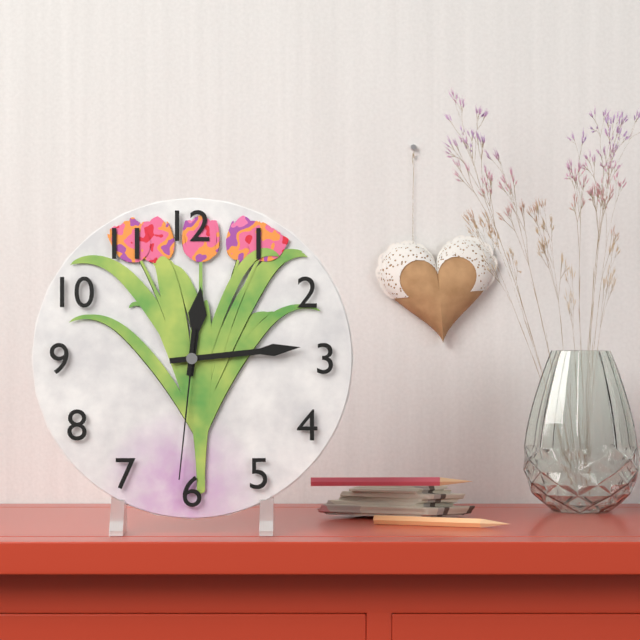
12:14:31
